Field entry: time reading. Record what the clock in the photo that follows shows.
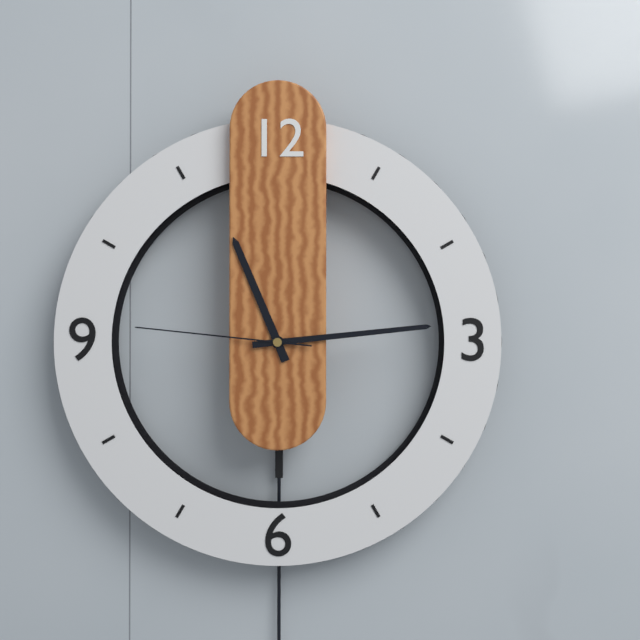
11:14:46
